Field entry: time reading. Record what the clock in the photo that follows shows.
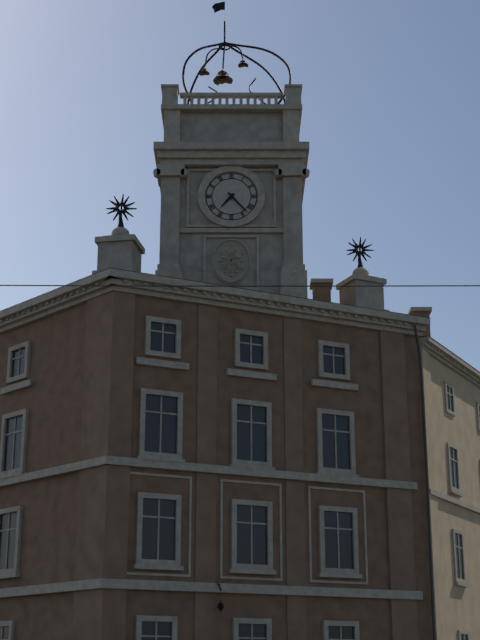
7:23
